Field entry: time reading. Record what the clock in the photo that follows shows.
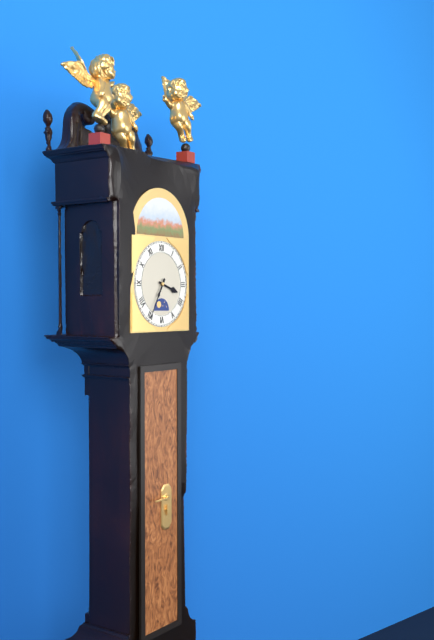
3:35
